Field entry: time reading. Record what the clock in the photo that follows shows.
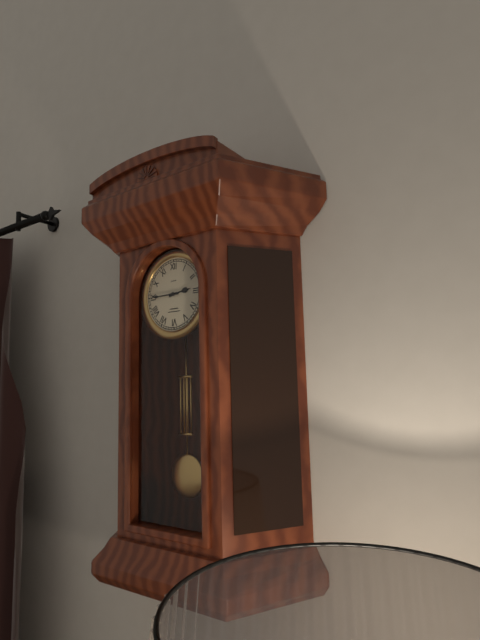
2:45
